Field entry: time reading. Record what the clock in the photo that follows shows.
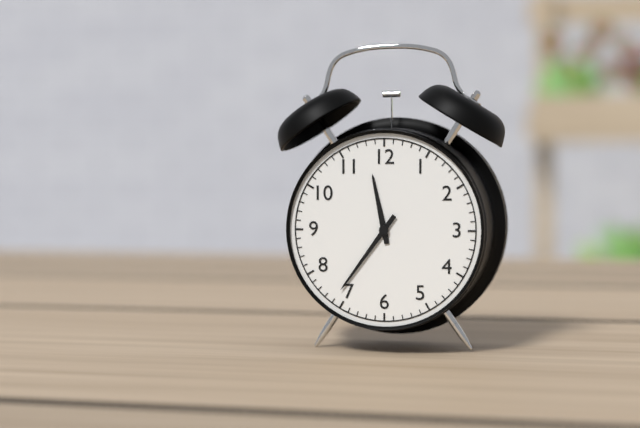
11:36
